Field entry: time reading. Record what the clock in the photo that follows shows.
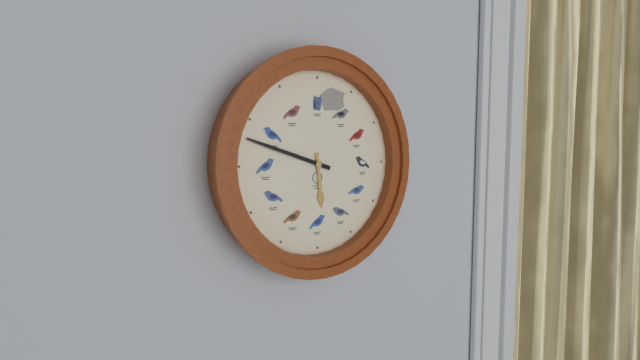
5:48
